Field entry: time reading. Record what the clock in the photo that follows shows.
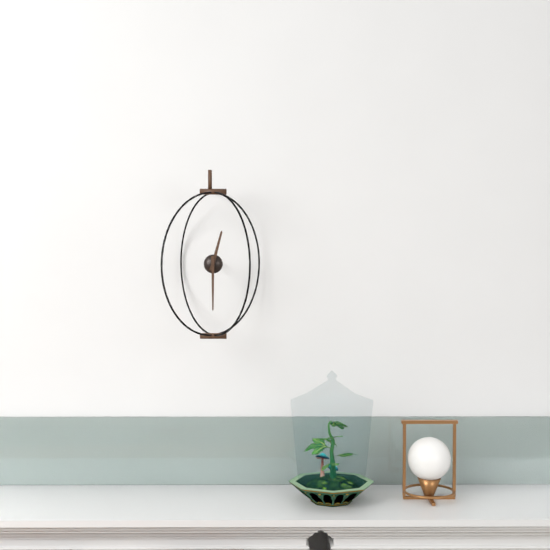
12:30
